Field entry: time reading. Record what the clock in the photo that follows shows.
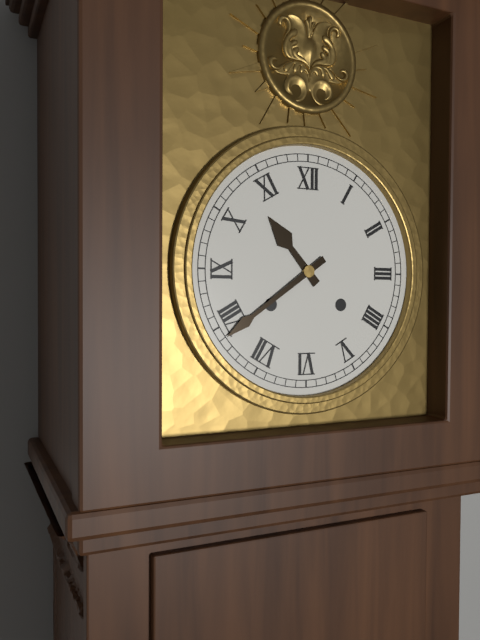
10:39
